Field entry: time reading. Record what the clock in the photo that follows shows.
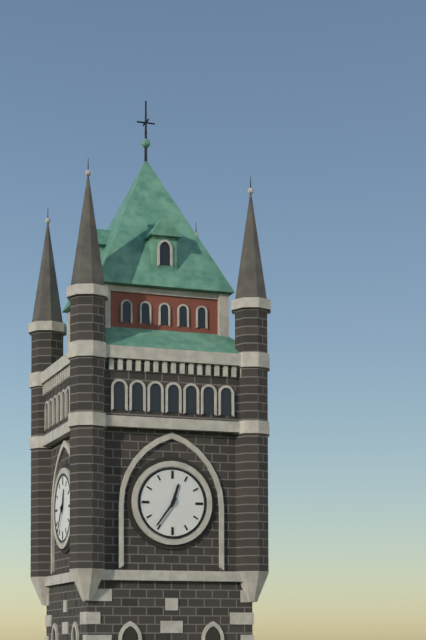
12:36
